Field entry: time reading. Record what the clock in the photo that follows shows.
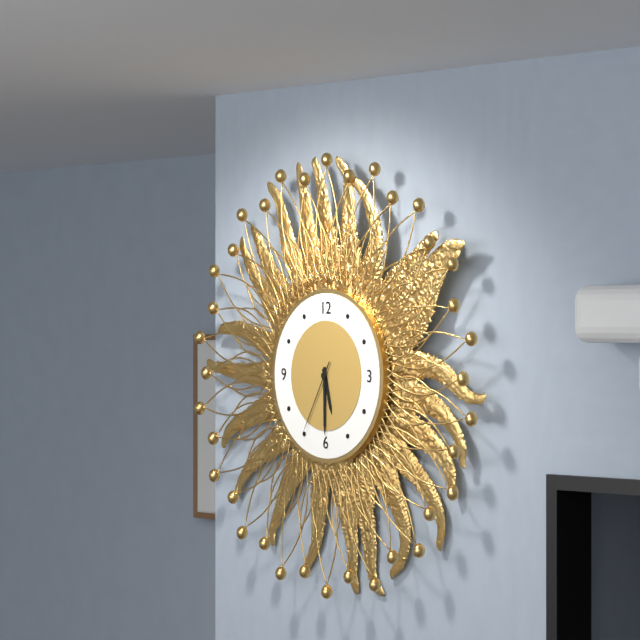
5:30:35
